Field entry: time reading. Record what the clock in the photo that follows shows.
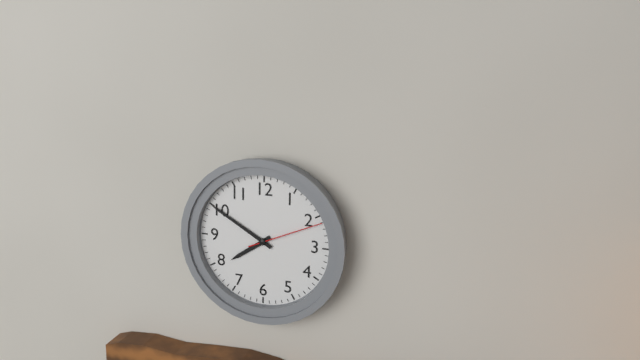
7:50:11
